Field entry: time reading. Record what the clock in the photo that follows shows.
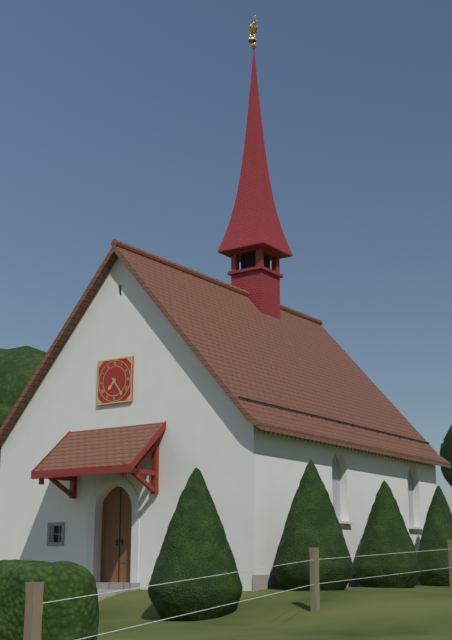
7:24
